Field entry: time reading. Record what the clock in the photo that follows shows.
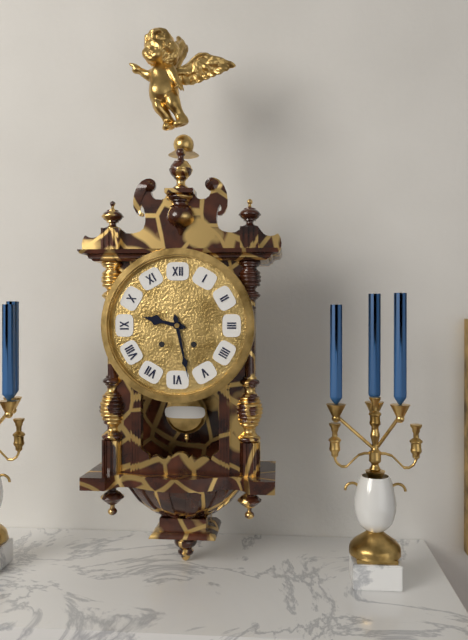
9:28
